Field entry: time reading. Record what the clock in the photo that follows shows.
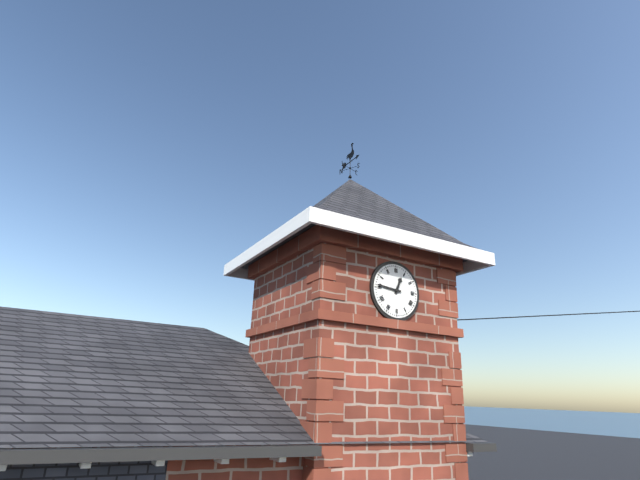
12:46
